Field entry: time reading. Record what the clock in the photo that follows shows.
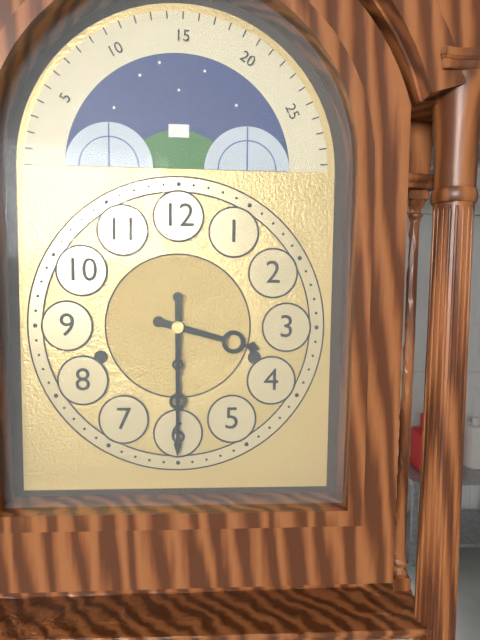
3:30
